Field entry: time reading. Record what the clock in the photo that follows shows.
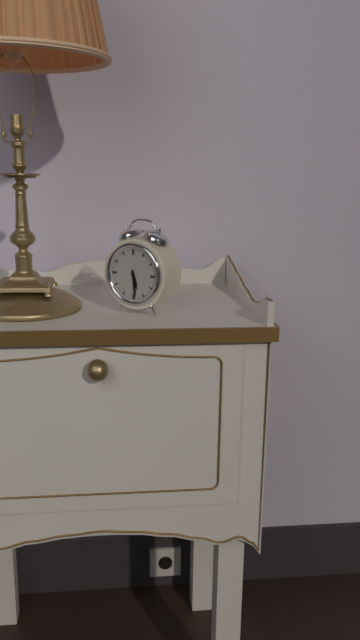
5:29
